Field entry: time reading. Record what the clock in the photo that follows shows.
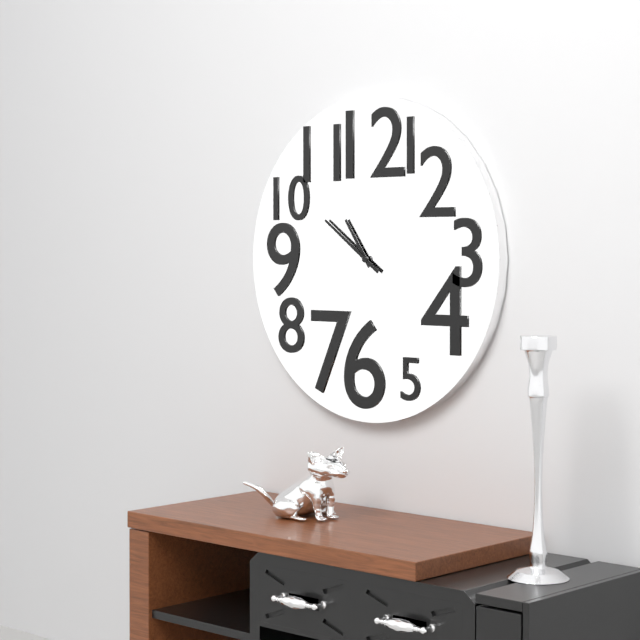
10:51
